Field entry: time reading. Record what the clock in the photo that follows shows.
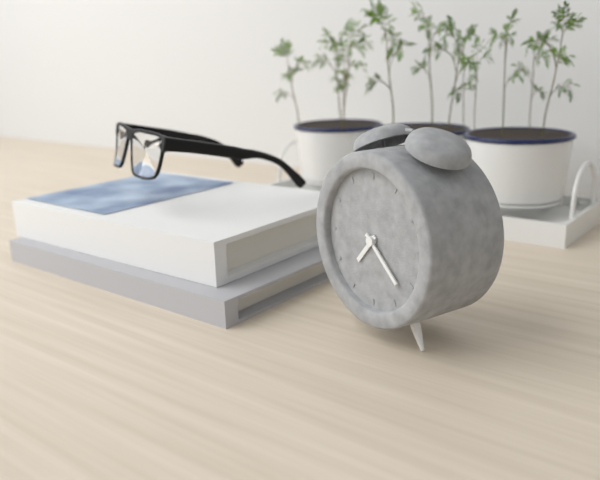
7:22
